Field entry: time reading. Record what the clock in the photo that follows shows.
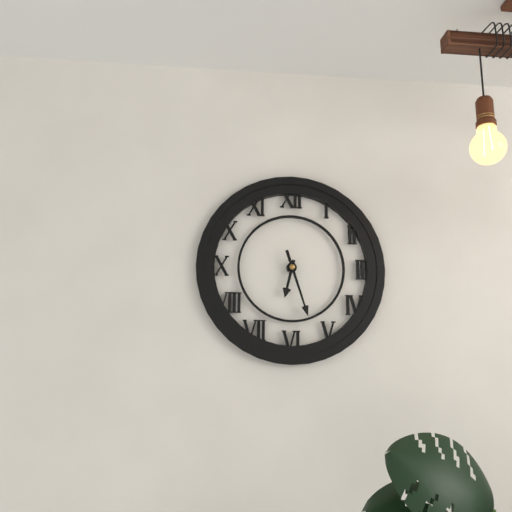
6:27
